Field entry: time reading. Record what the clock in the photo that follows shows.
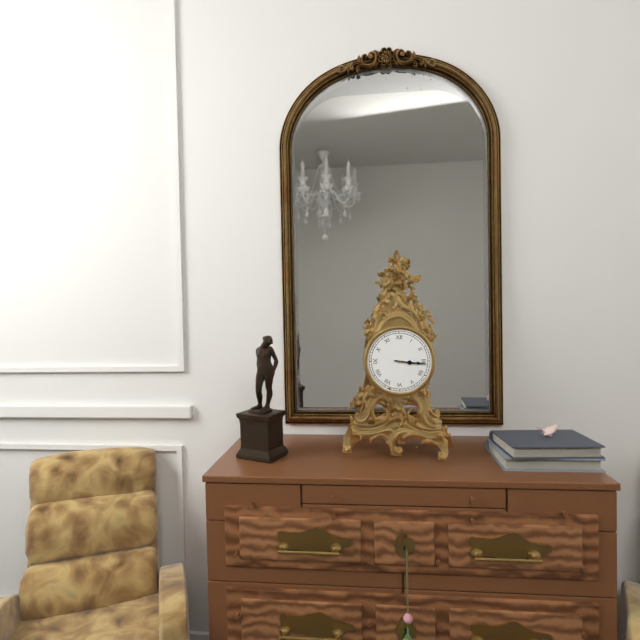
3:16
